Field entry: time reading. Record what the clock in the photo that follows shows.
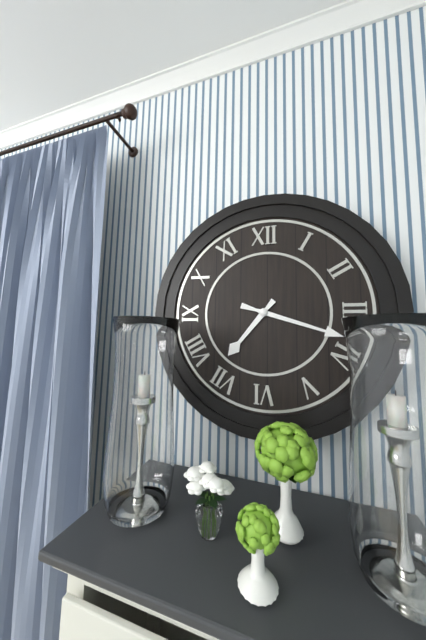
7:18
